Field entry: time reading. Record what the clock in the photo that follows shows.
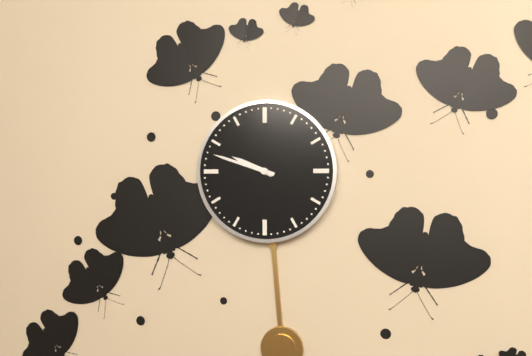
9:48
